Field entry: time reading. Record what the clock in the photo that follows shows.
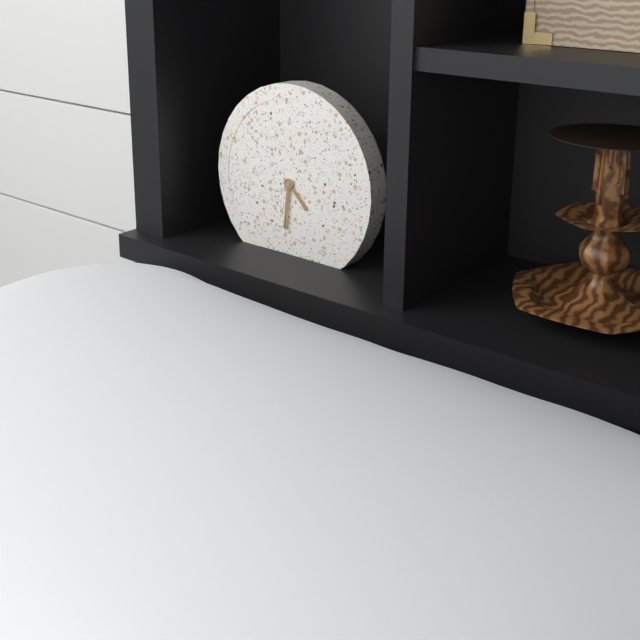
4:31
